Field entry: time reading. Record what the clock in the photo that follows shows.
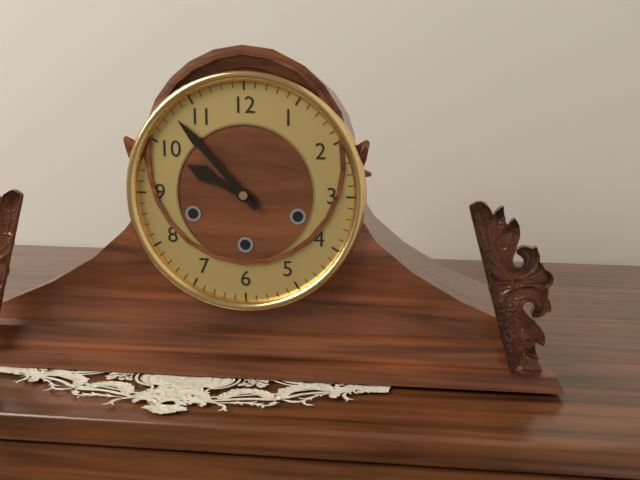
9:53
